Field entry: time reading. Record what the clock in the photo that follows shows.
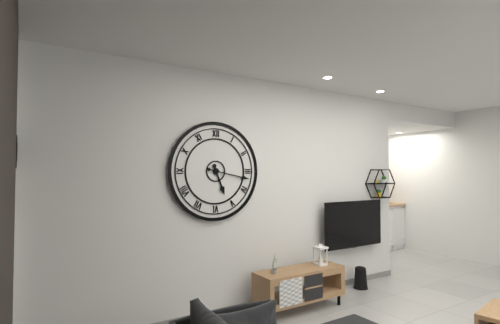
5:17
